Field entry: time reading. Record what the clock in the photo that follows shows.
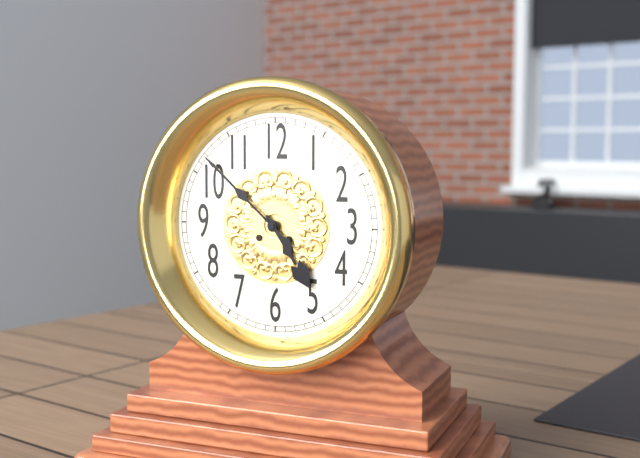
4:52
